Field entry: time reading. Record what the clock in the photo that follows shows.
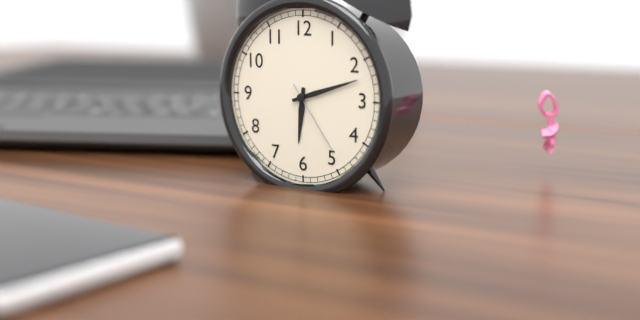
6:12:24
